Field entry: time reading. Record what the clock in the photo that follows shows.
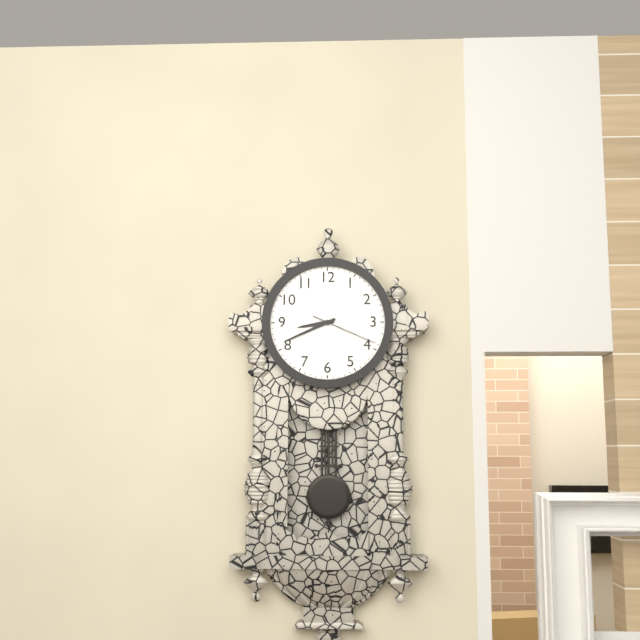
8:41:19
